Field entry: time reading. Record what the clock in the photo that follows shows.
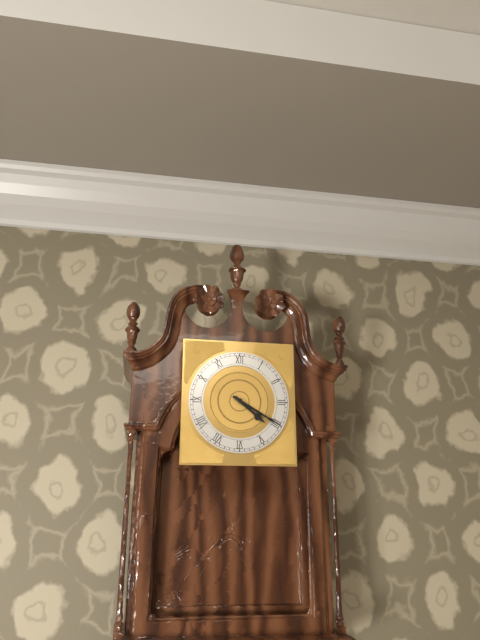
4:20
